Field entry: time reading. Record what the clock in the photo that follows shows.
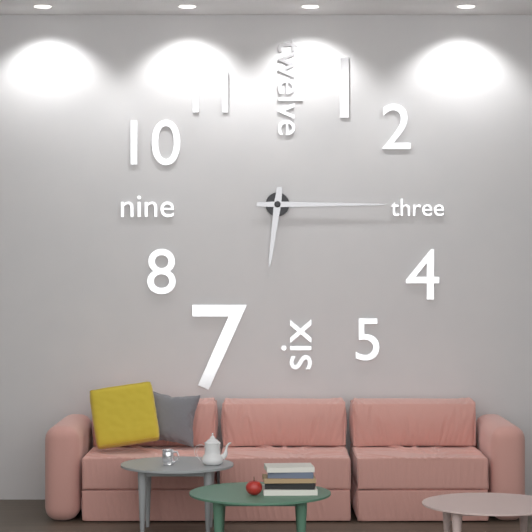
6:15
